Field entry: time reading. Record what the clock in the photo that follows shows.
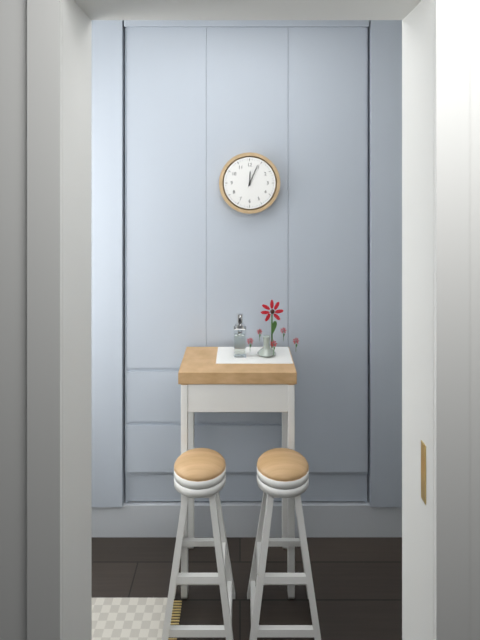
12:04
